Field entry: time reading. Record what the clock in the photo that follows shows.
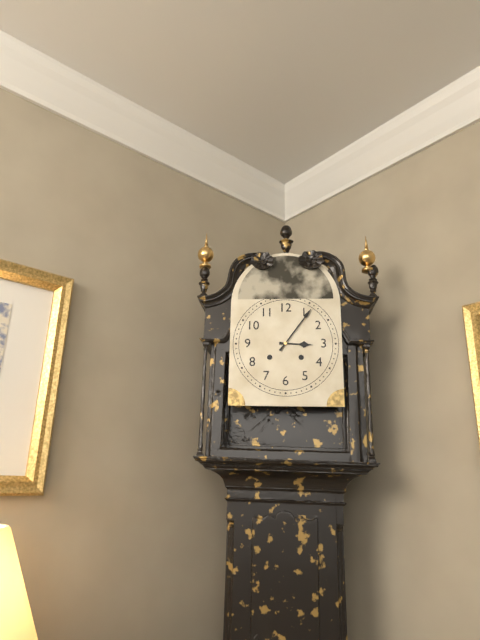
3:06
